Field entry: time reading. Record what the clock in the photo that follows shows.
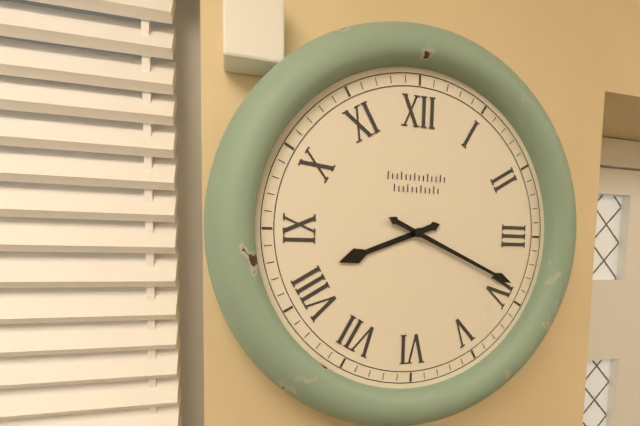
8:19
